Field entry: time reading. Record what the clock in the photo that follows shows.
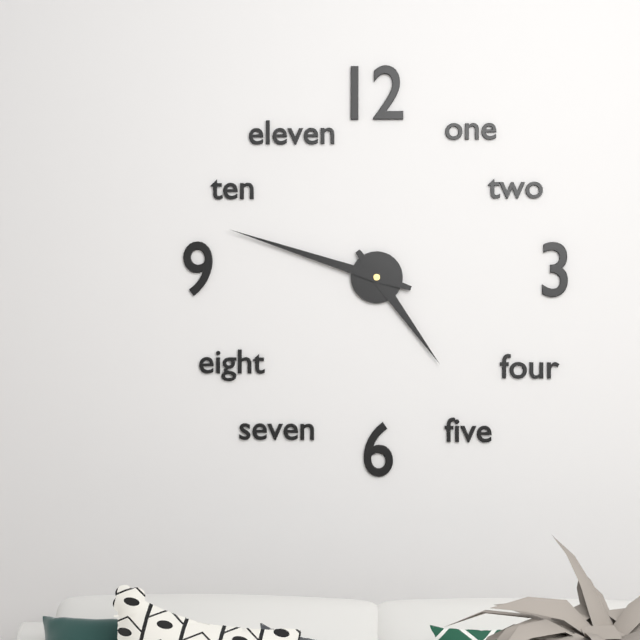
4:48
